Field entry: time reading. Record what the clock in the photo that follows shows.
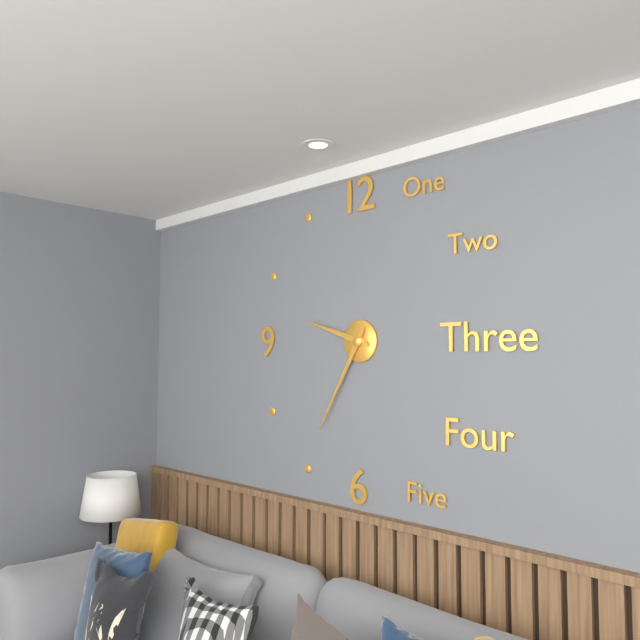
9:35
